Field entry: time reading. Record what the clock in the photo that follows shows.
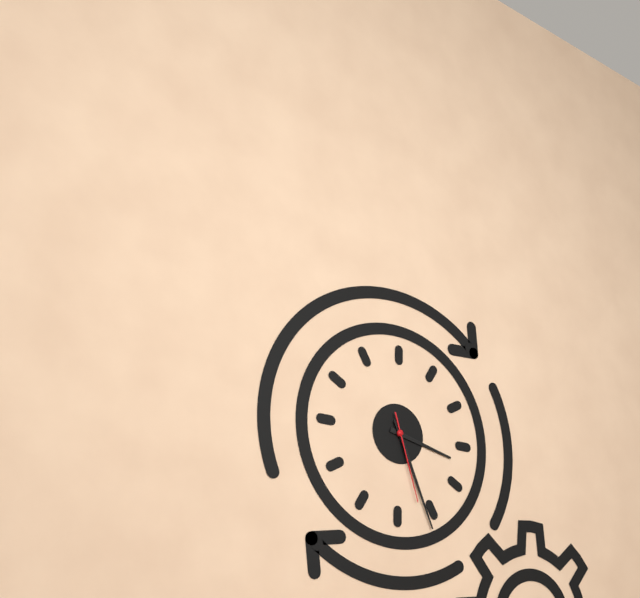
3:26:27
